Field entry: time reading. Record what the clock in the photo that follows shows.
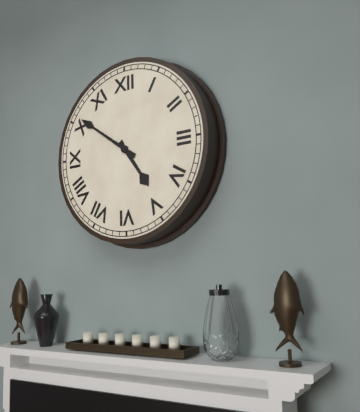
4:51
